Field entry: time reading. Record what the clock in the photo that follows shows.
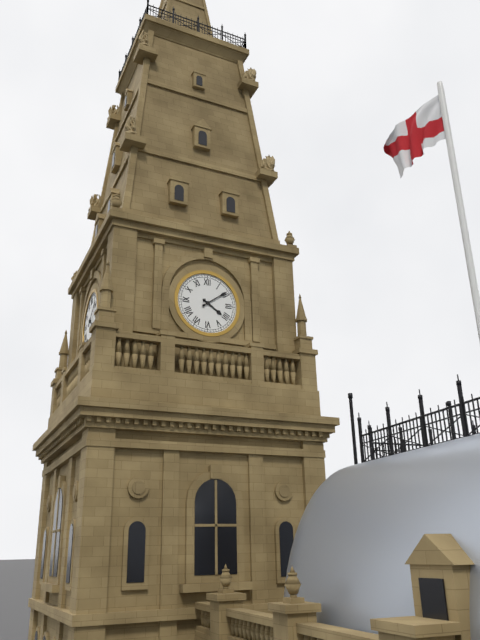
4:09
